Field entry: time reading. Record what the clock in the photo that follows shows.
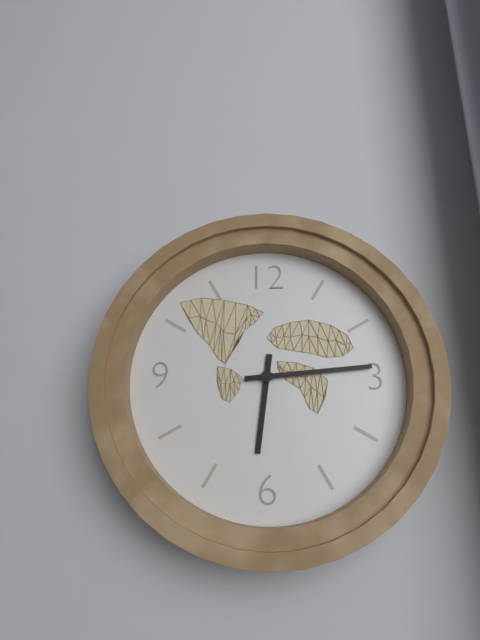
6:14
